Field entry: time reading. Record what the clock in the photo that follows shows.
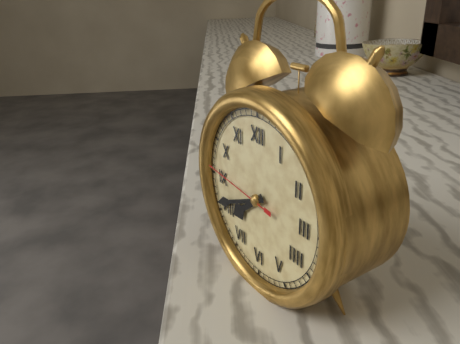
7:41:46
